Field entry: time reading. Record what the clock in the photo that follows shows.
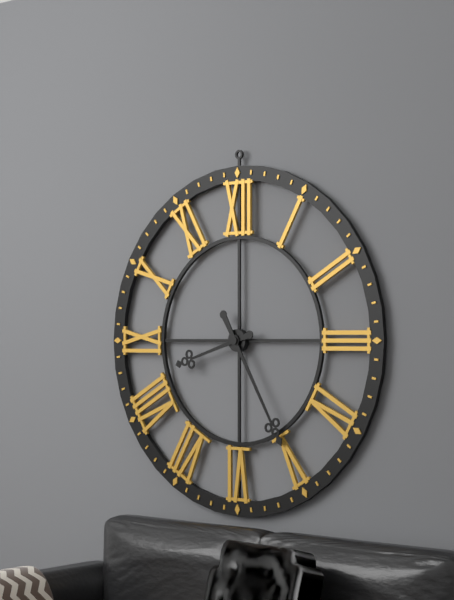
8:25
